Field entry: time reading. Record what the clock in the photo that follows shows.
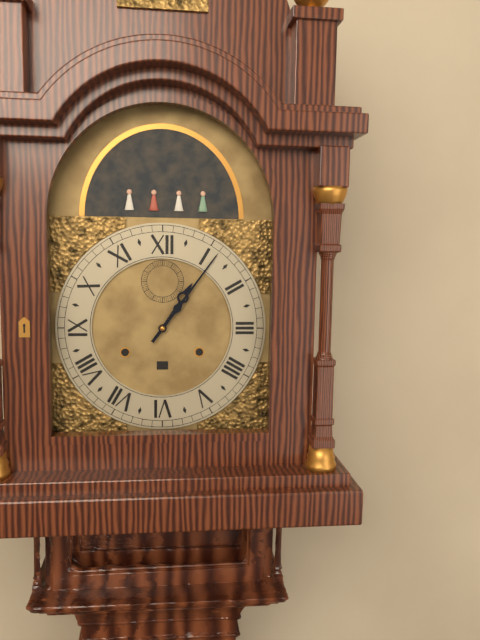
1:06
